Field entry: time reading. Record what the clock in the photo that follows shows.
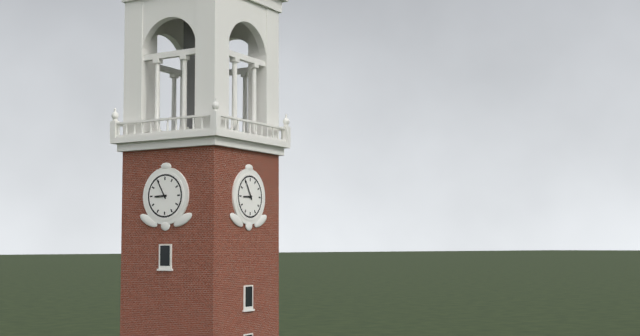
8:55
